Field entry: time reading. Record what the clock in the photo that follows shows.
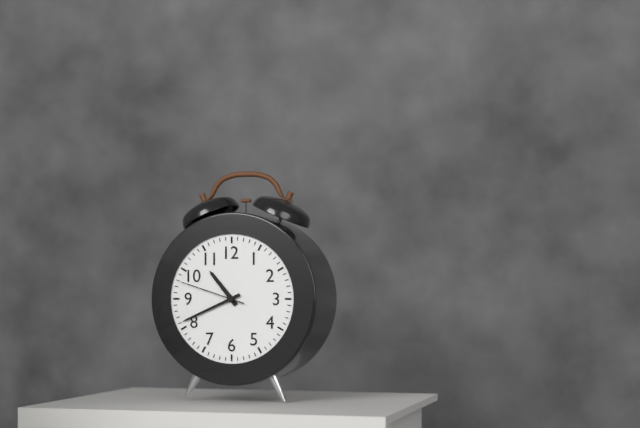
10:41:48
